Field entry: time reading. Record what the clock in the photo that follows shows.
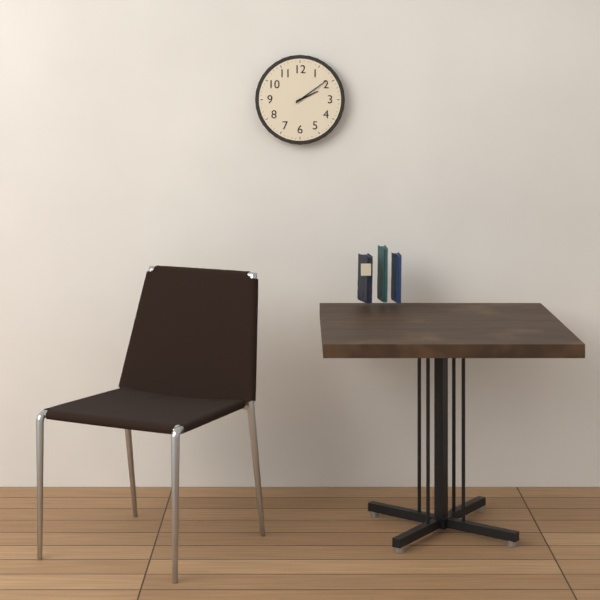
2:09
